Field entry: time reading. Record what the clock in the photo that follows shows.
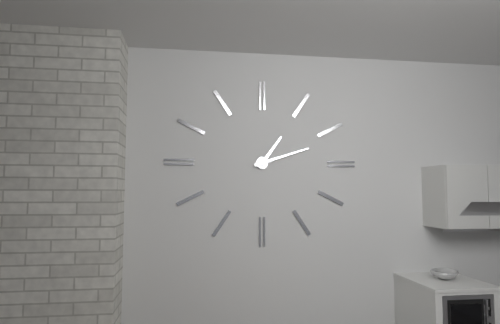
1:12
